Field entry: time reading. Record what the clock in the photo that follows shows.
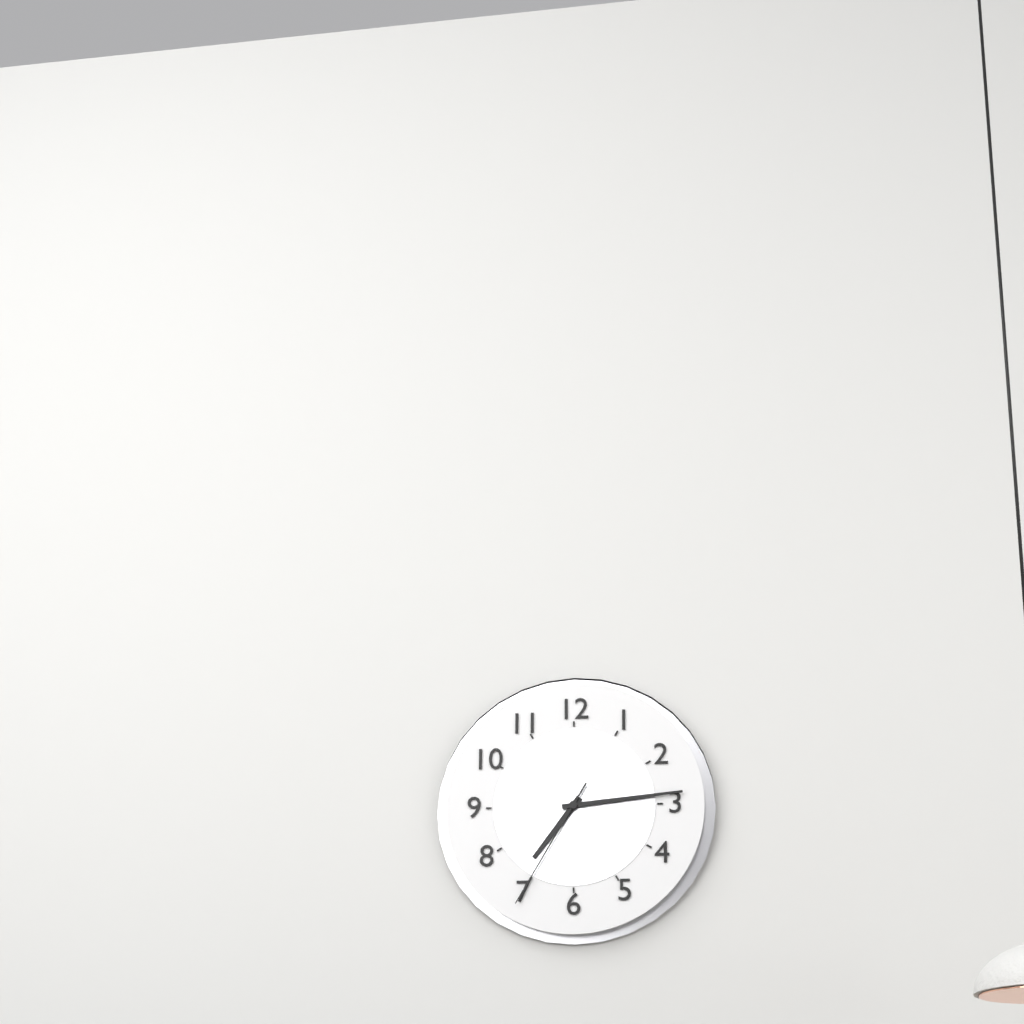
7:14:35
